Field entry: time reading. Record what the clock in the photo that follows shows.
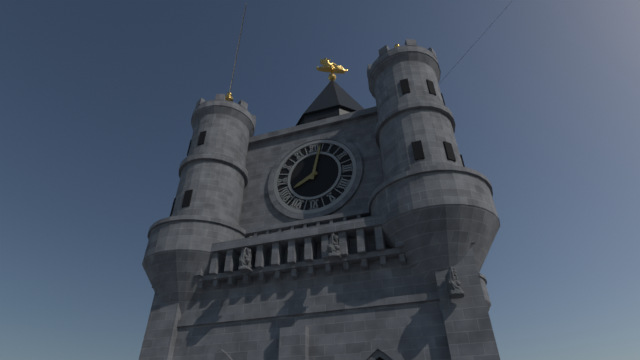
8:02
